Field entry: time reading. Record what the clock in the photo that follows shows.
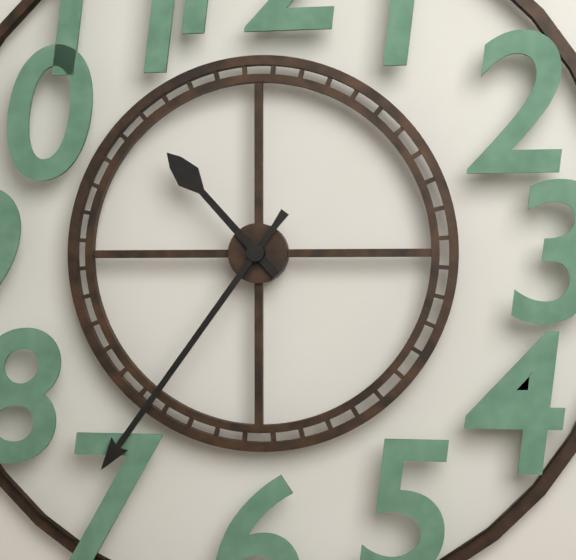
10:36
